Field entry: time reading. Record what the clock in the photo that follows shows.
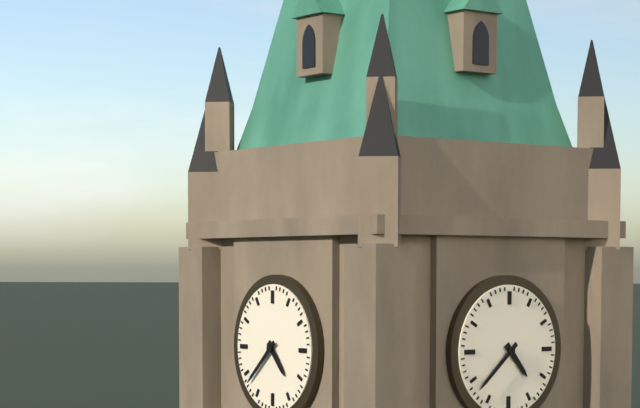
4:38
